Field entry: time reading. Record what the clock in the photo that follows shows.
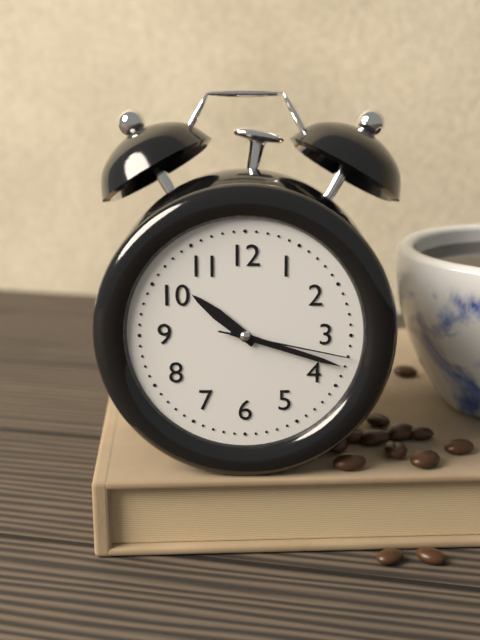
10:18:17
